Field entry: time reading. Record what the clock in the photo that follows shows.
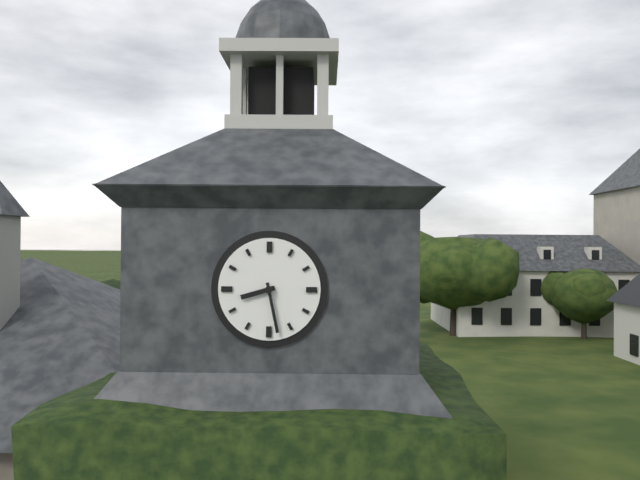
8:28
